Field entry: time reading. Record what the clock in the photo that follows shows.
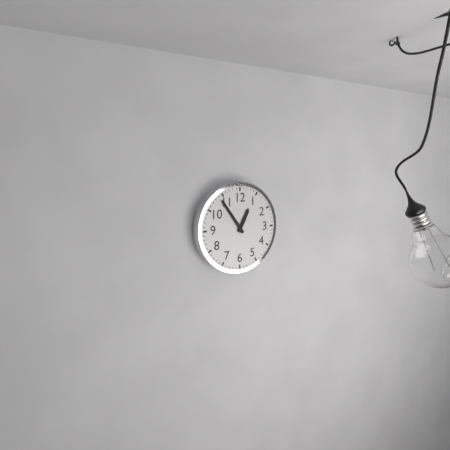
12:54
